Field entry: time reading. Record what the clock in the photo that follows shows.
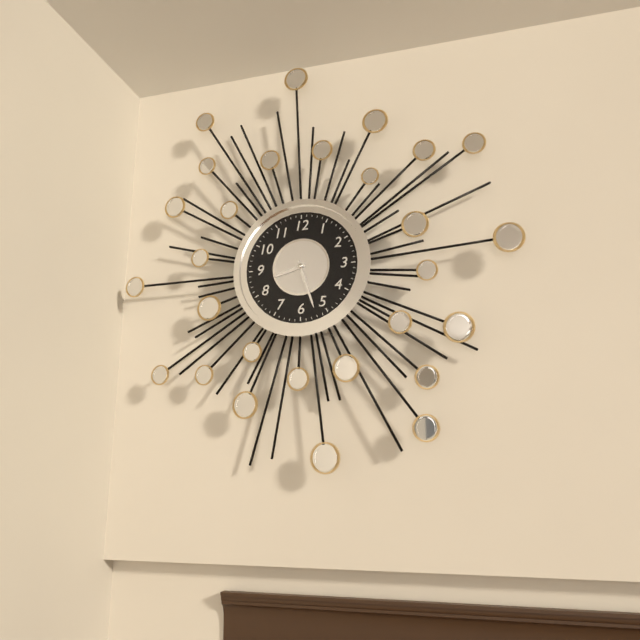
8:27
